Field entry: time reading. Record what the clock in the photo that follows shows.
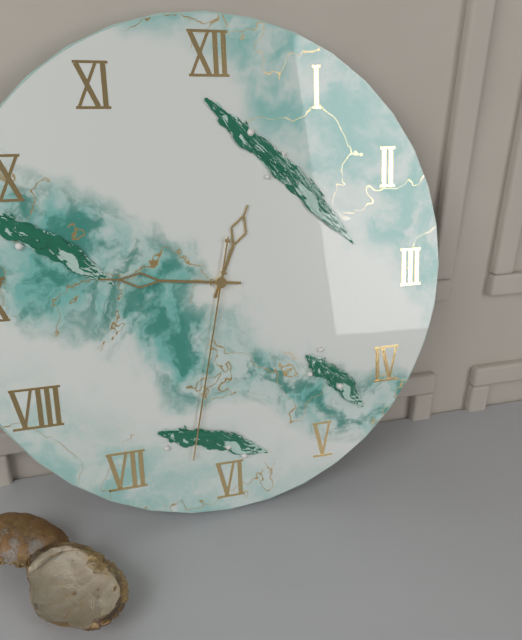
12:46:32
